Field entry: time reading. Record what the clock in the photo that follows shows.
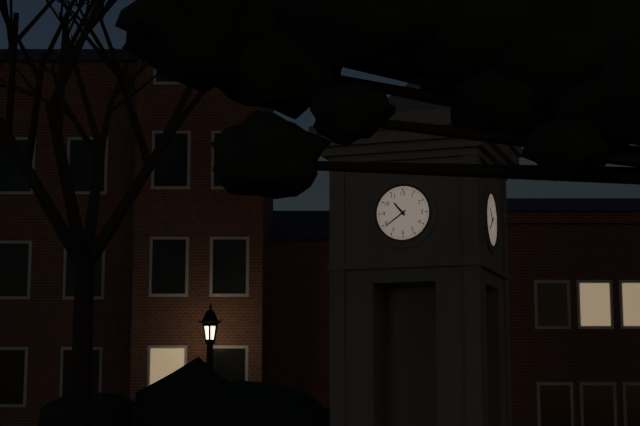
10:39
